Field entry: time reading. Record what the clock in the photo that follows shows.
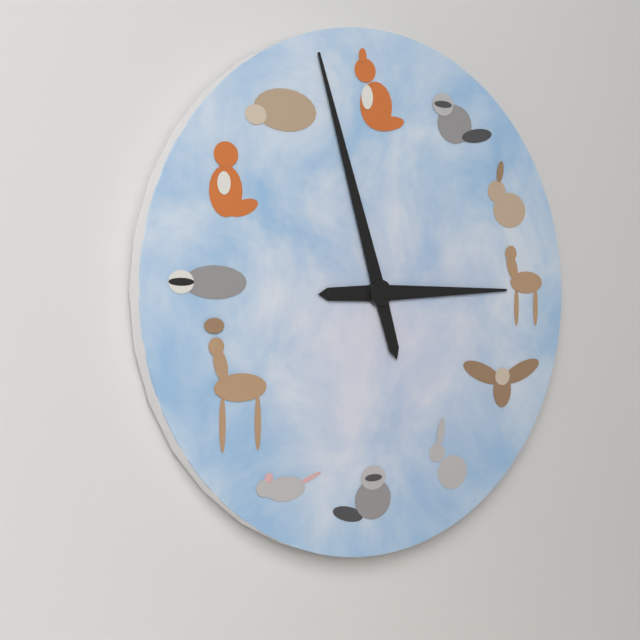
2:57
